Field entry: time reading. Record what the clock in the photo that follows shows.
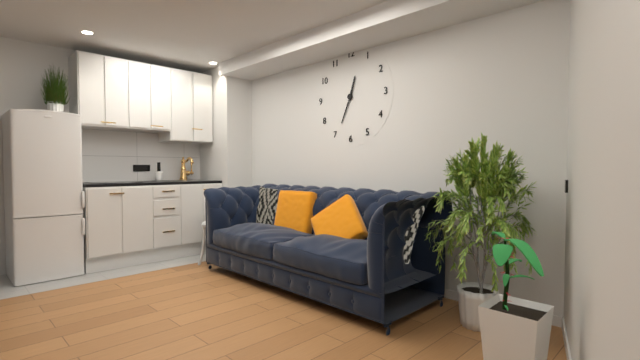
12:34
